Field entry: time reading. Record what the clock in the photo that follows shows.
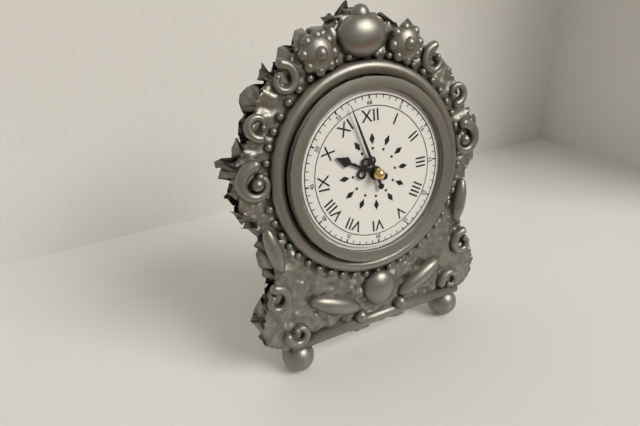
9:57
